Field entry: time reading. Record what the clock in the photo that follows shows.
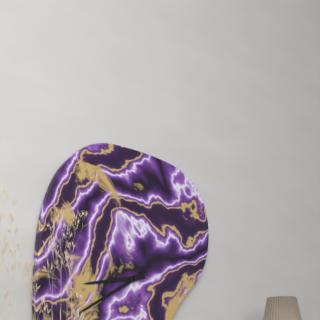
8:40
